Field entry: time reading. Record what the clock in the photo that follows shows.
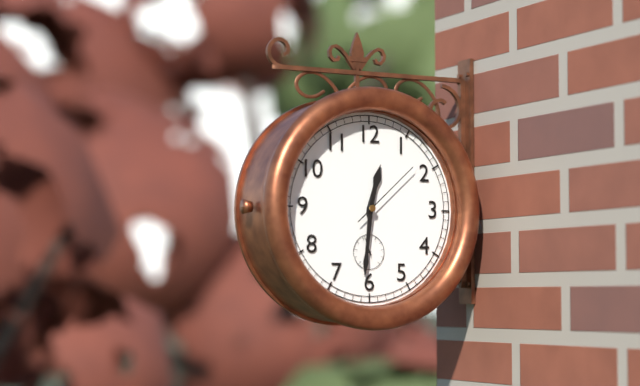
12:31:08
